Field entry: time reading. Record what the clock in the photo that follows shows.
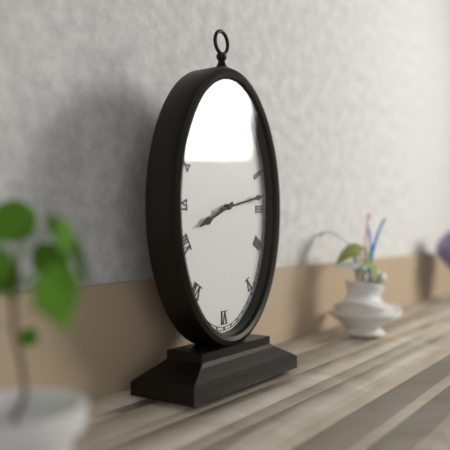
8:13
